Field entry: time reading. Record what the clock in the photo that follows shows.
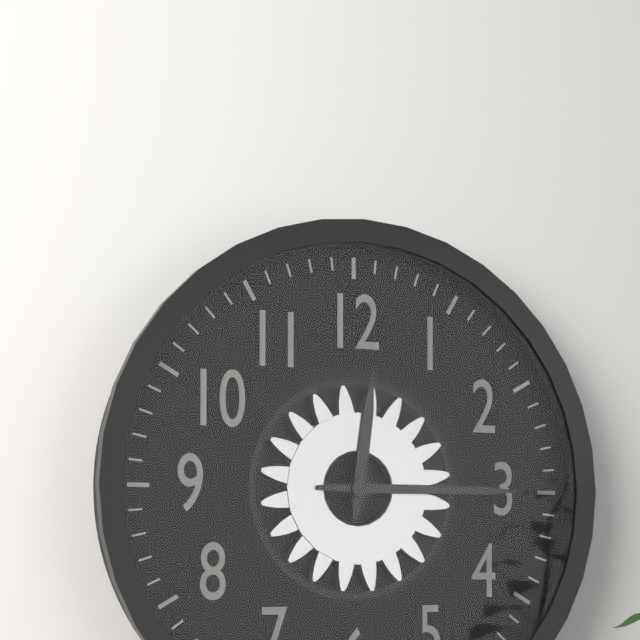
12:15
